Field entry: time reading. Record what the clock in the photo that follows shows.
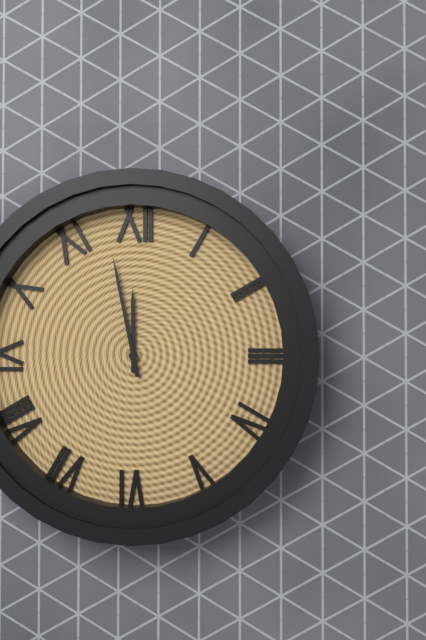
11:58
